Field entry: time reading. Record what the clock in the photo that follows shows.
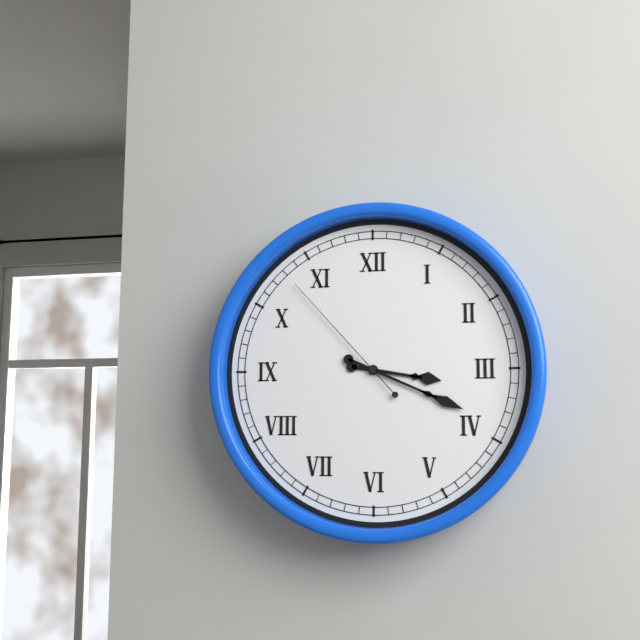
3:19:53
